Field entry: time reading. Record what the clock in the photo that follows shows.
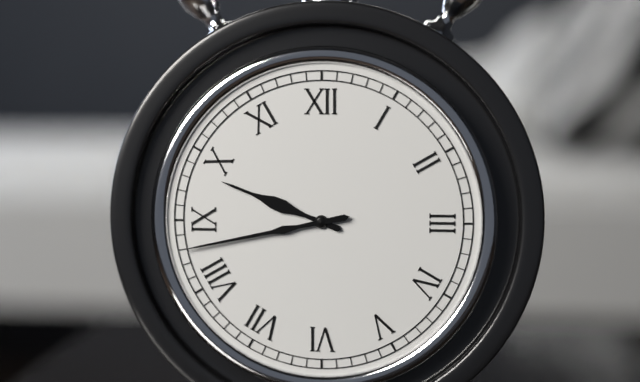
9:43
